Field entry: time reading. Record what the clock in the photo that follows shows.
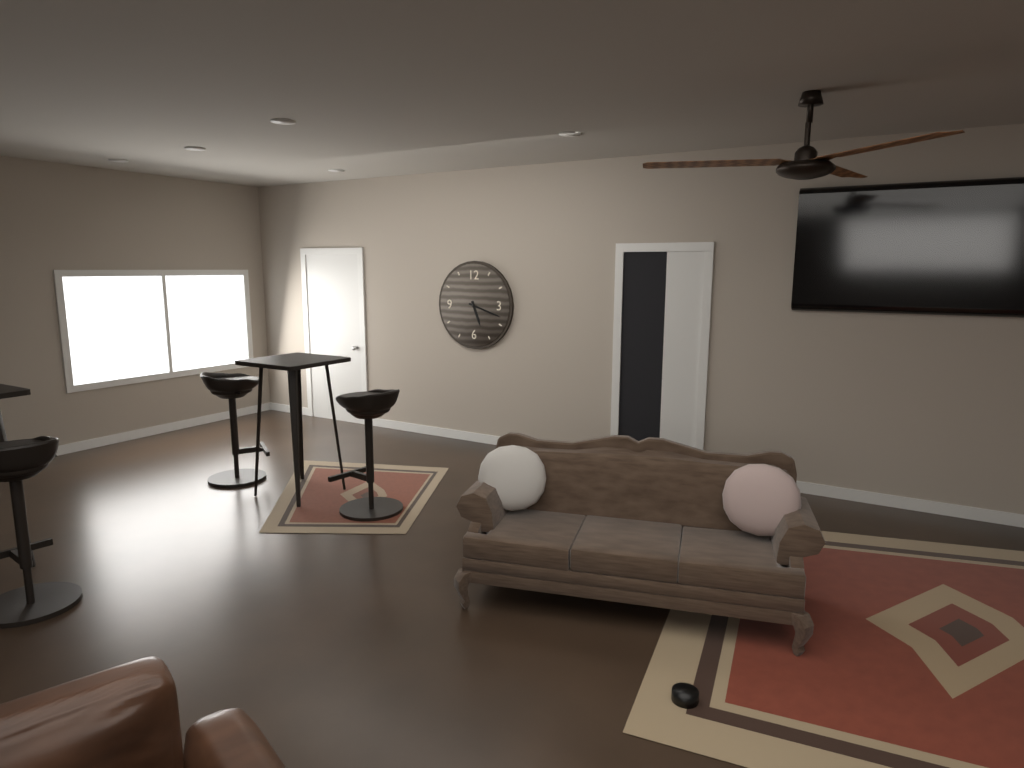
5:18
